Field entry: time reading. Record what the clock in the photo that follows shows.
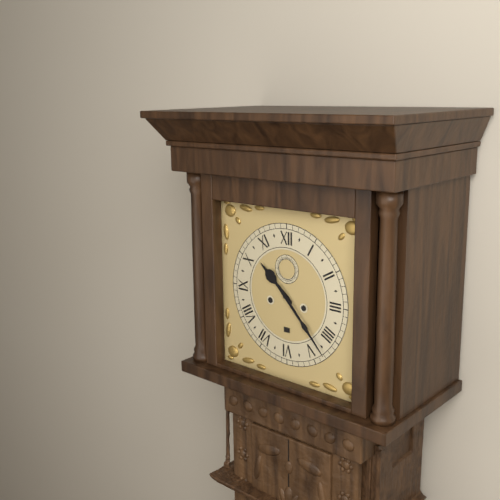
10:23
